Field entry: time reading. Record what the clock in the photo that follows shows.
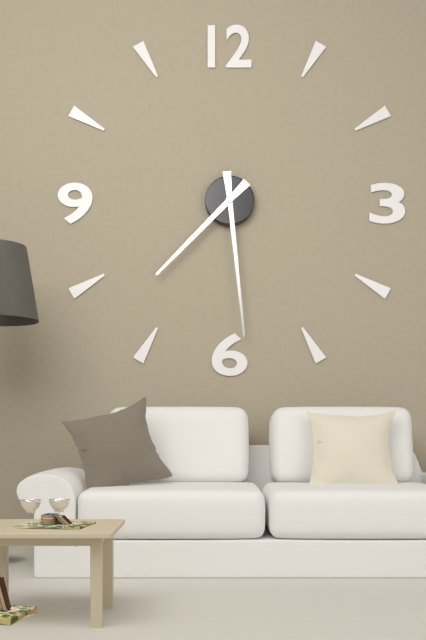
7:29
